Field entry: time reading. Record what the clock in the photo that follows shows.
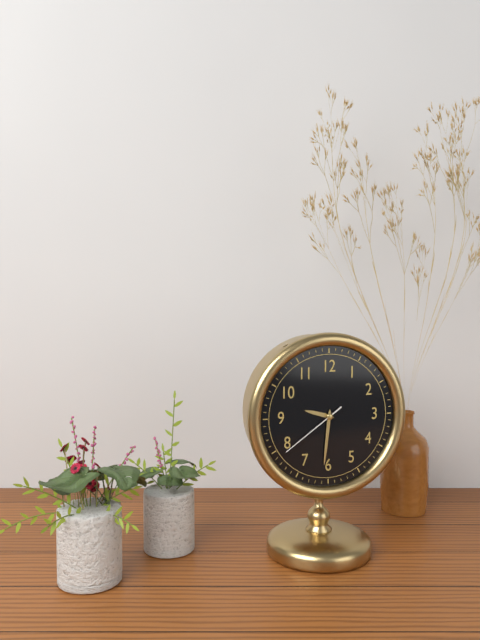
9:31:39
